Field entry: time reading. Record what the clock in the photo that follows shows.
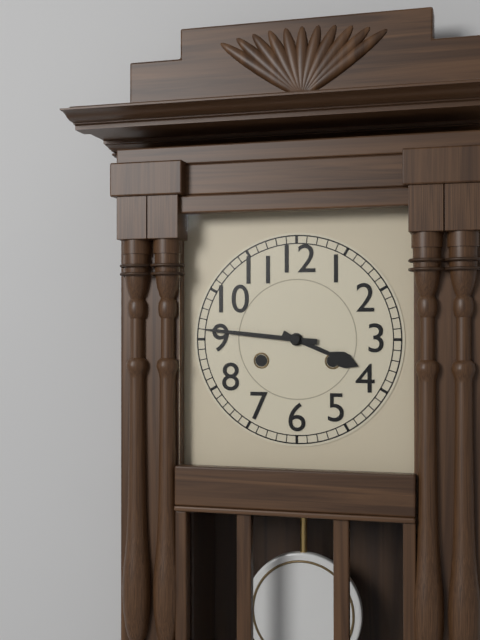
3:46
